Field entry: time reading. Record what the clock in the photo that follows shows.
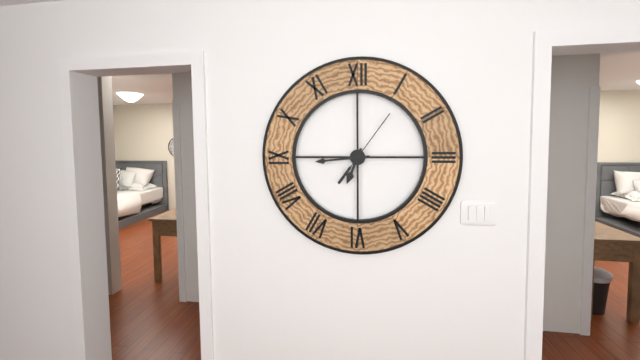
6:44:06
